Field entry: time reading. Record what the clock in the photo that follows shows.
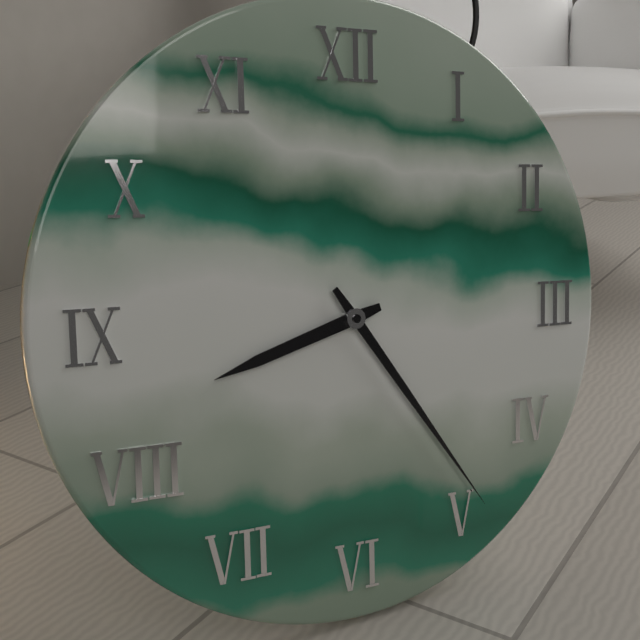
8:24
